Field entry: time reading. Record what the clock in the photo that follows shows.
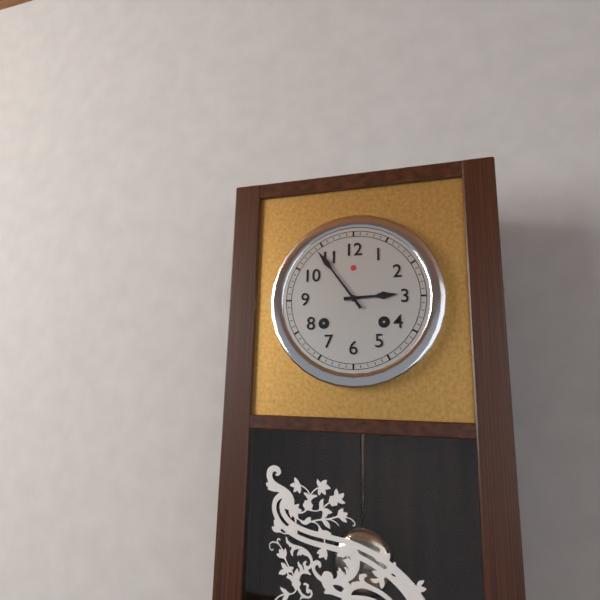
2:54
